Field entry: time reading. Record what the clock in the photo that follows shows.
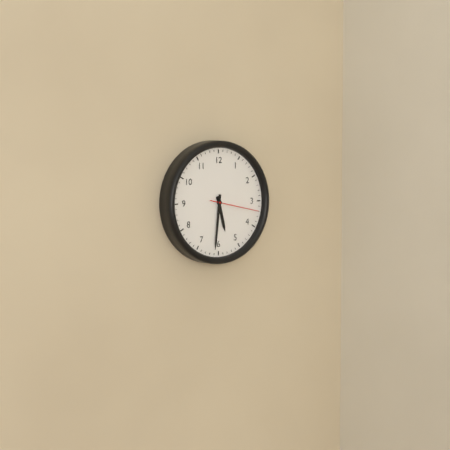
5:31:17
